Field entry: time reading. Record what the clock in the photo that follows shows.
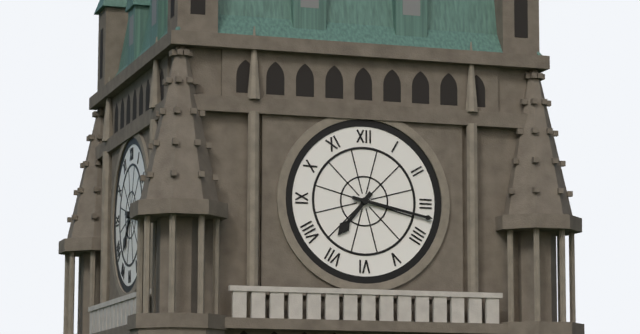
7:17
